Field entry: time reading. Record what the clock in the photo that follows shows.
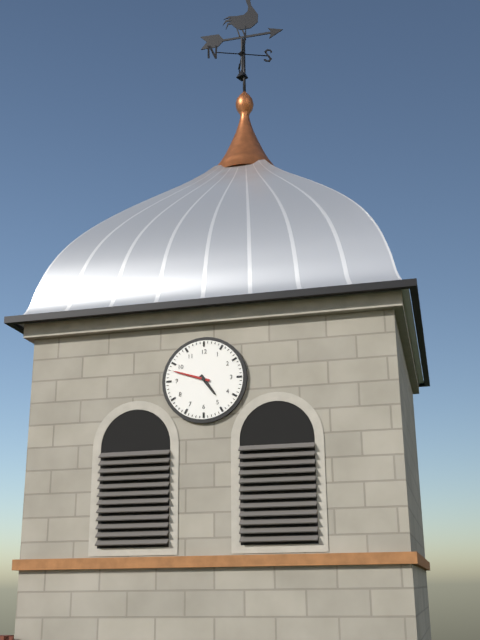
4:48
